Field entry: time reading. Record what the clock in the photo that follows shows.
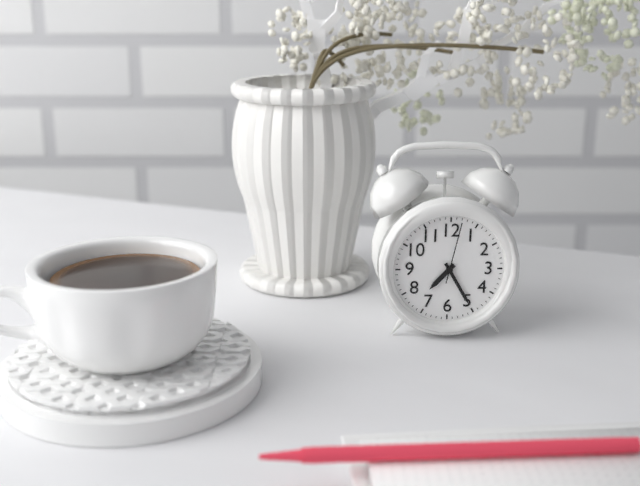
7:25:02
